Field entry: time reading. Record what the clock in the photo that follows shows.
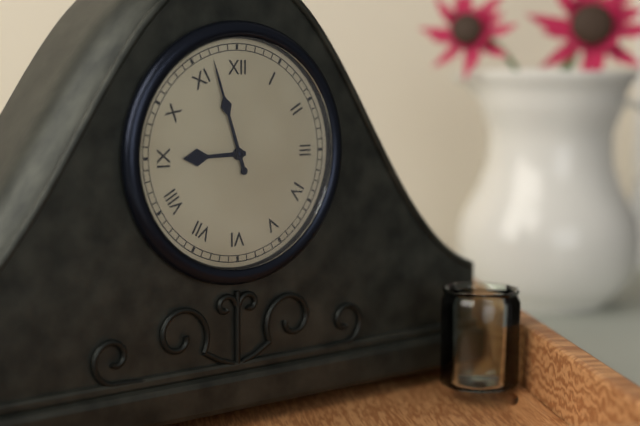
8:57
